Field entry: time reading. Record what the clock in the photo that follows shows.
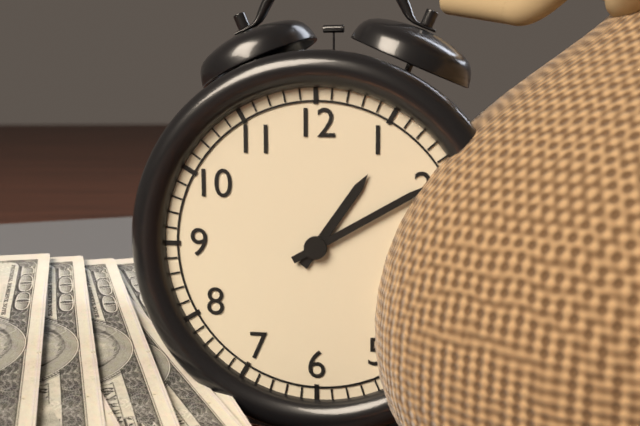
1:10
